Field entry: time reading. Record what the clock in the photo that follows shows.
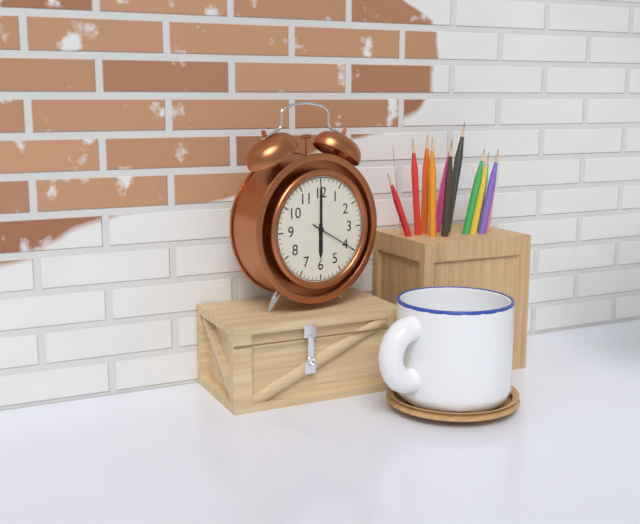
6:00
